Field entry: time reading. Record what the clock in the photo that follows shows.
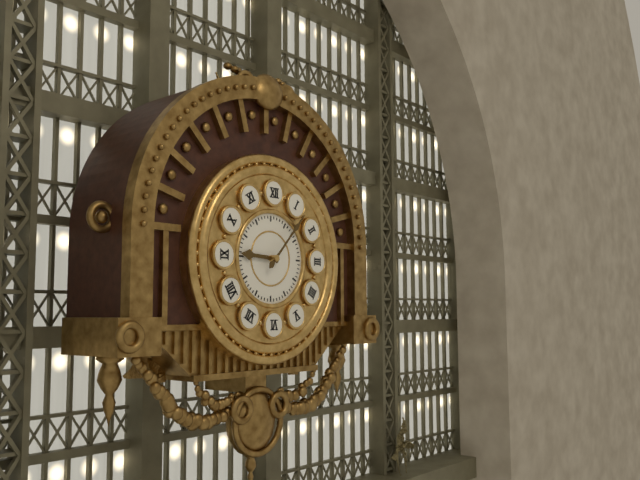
9:07
